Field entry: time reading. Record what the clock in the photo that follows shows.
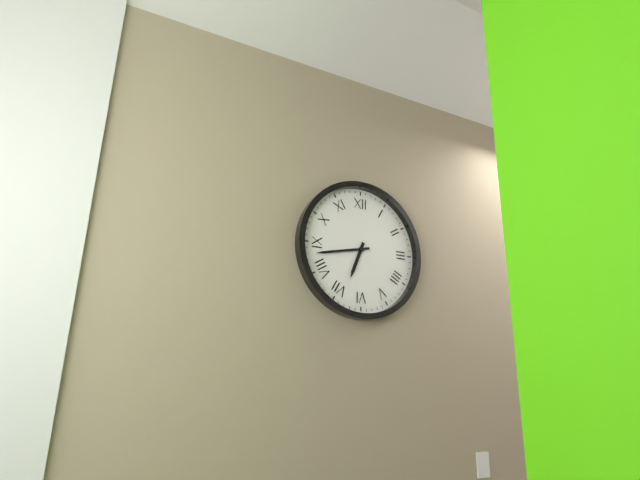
6:43
